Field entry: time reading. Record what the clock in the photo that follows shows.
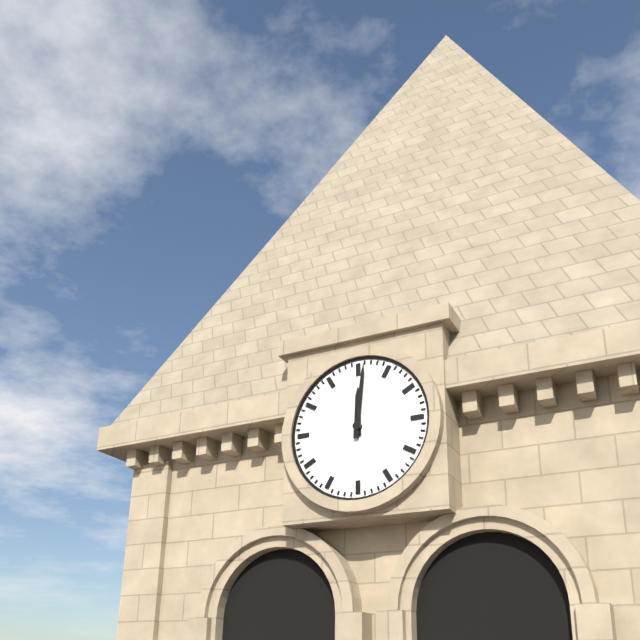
12:01
